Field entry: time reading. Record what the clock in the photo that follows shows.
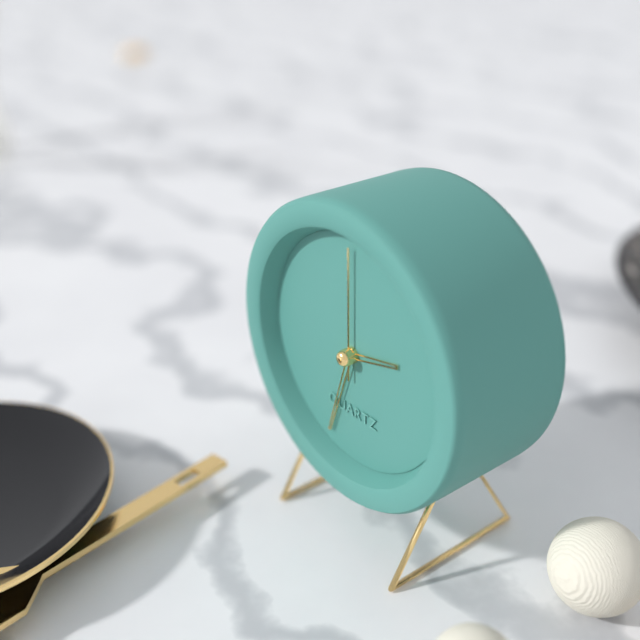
2:33:00
